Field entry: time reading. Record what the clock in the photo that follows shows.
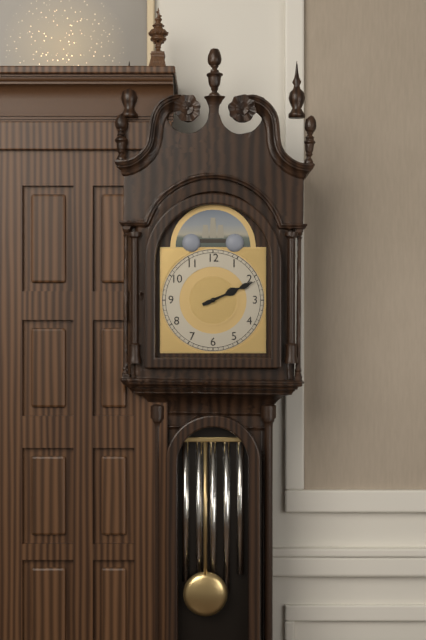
2:11
